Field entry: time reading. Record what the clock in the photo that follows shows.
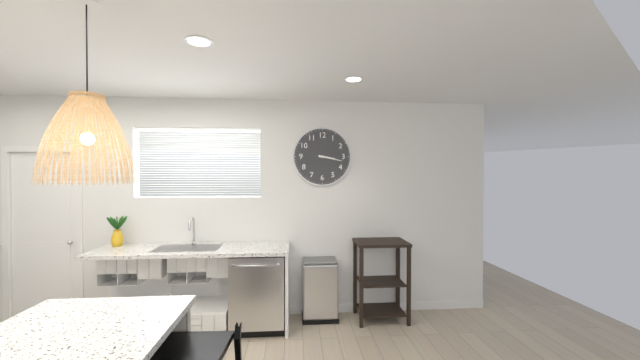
3:17
